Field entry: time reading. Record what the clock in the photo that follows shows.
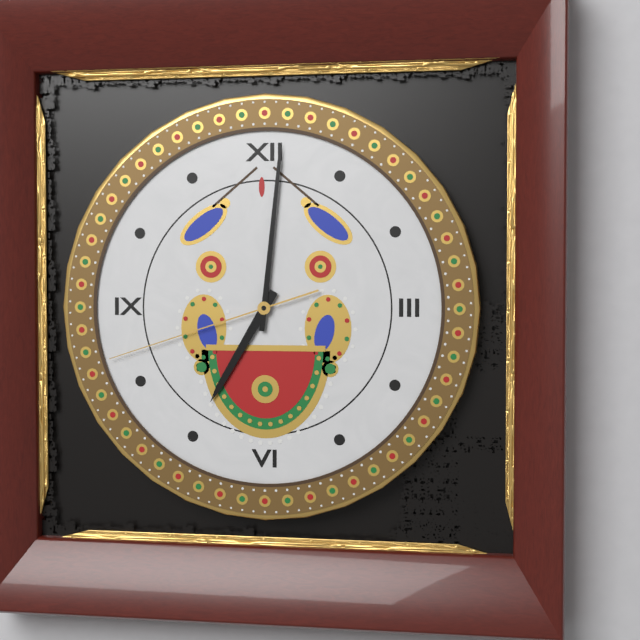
7:01:42
